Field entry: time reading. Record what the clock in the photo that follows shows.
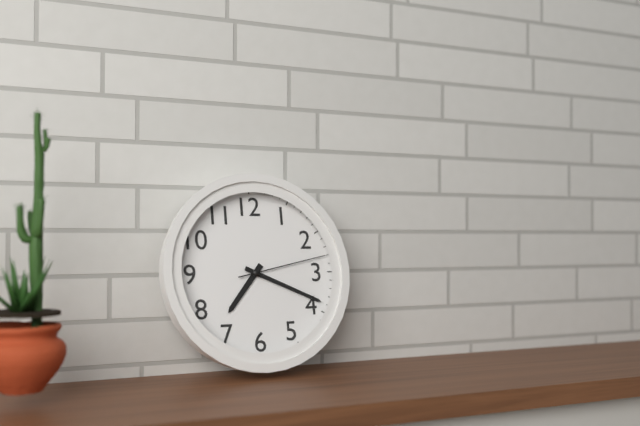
7:19:13
